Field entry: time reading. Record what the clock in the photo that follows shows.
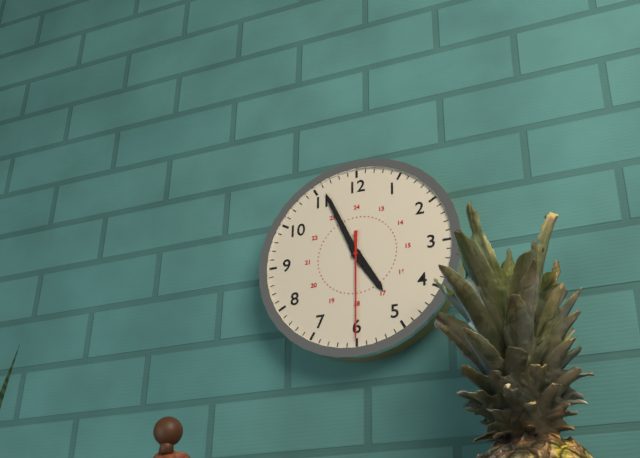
4:56:30
